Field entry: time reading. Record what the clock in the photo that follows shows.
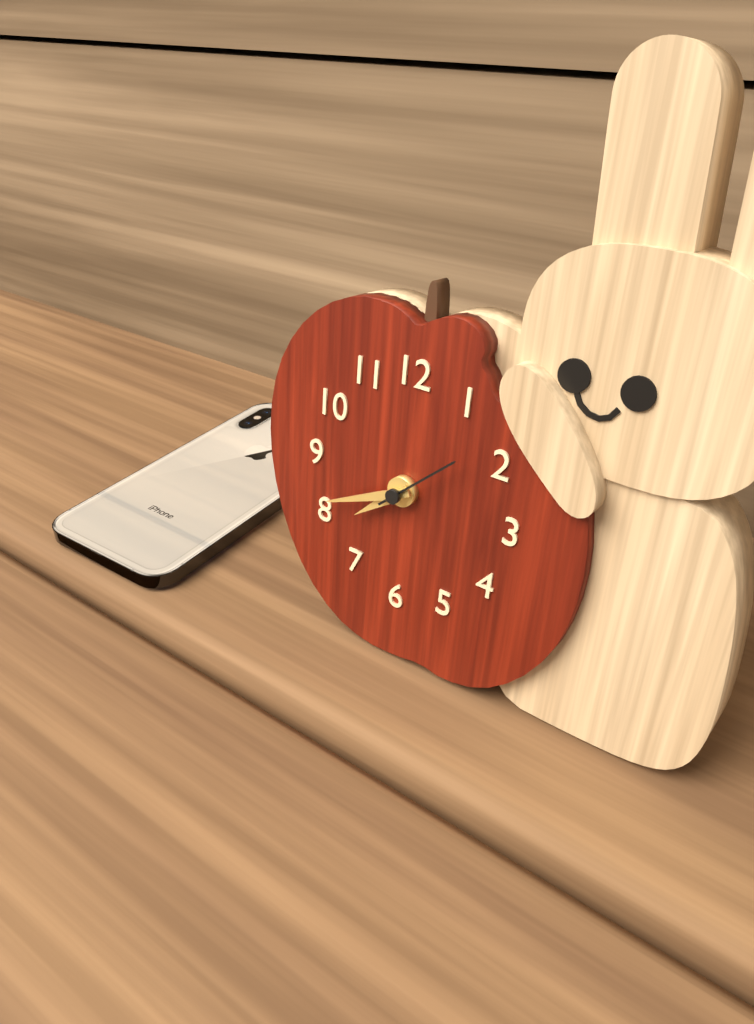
7:41:08
